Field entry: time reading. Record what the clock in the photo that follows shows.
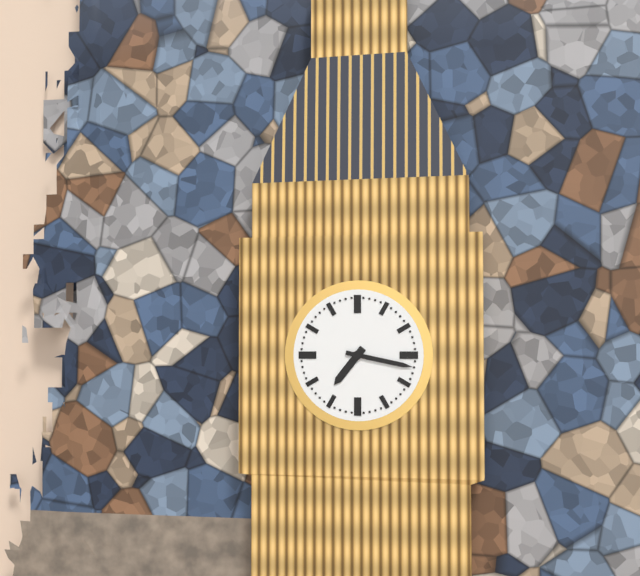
7:17
